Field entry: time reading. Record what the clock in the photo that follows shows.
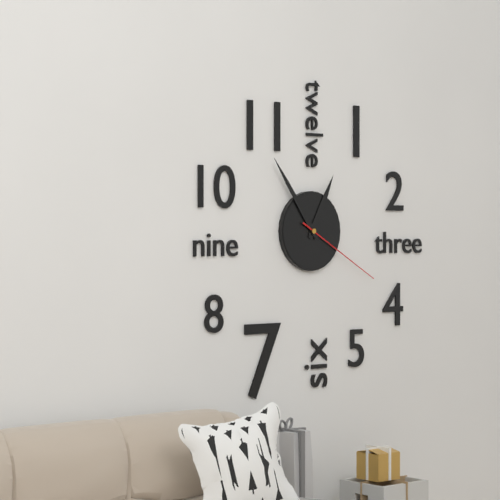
12:54:20
